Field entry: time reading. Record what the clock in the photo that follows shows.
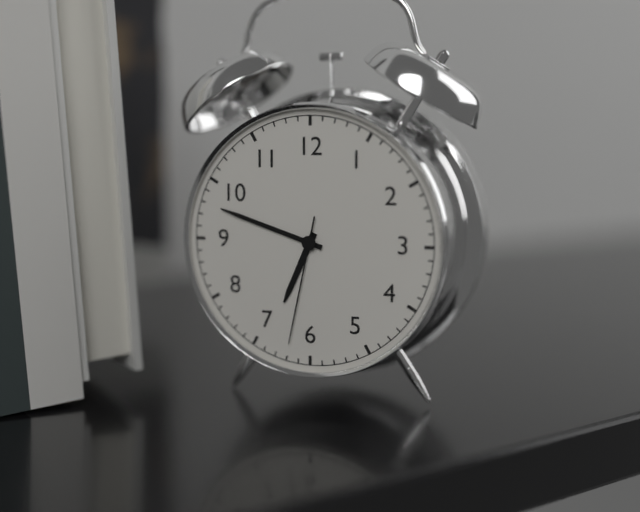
6:48:32
